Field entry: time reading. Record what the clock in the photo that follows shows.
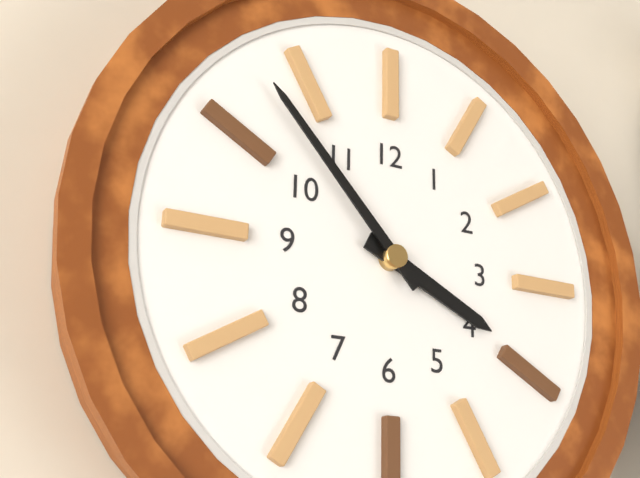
3:53
